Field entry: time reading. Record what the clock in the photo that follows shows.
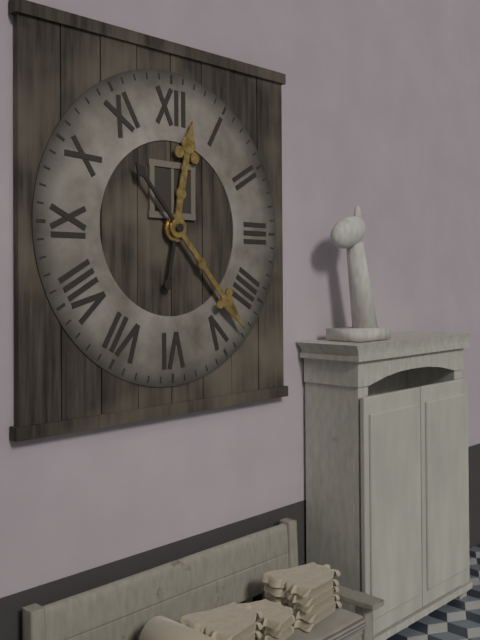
12:23
